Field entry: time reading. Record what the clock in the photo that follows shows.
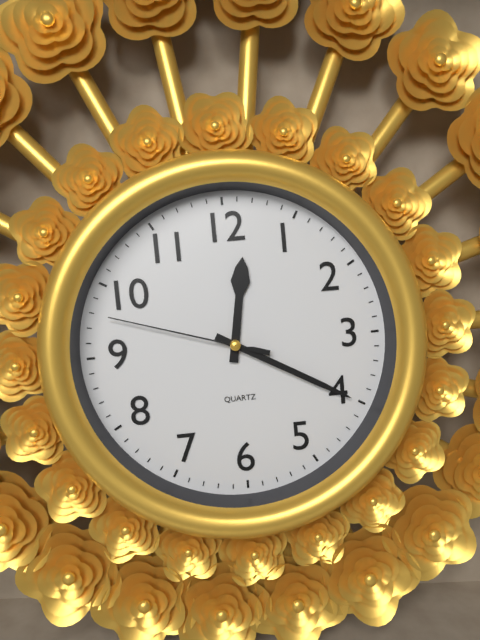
12:20:48
